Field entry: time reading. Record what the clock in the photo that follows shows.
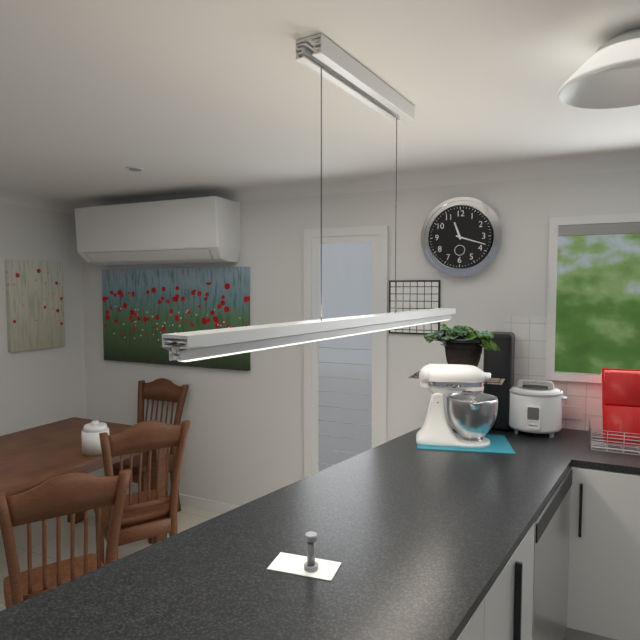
11:18
